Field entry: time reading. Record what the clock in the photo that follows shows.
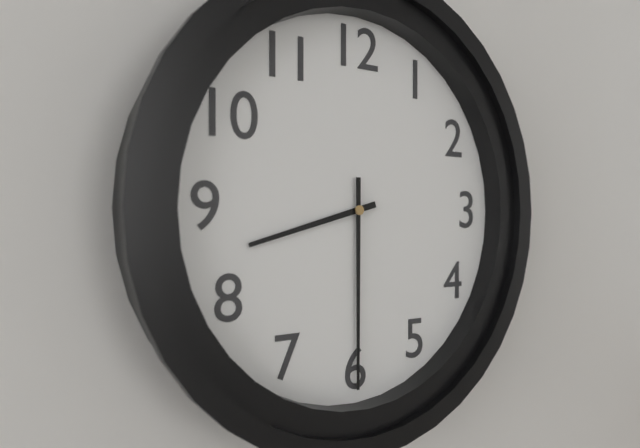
8:30
